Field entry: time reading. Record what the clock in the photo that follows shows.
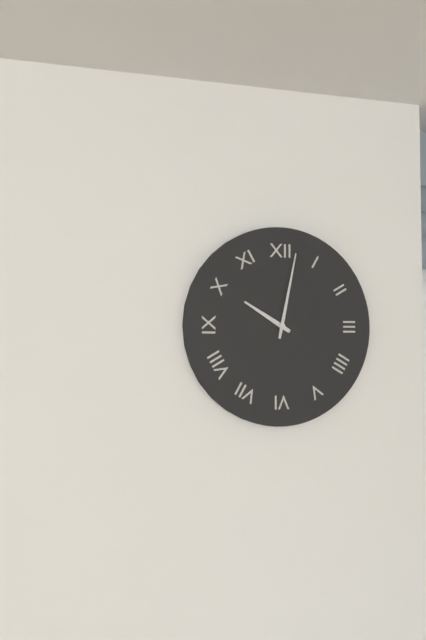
10:02
